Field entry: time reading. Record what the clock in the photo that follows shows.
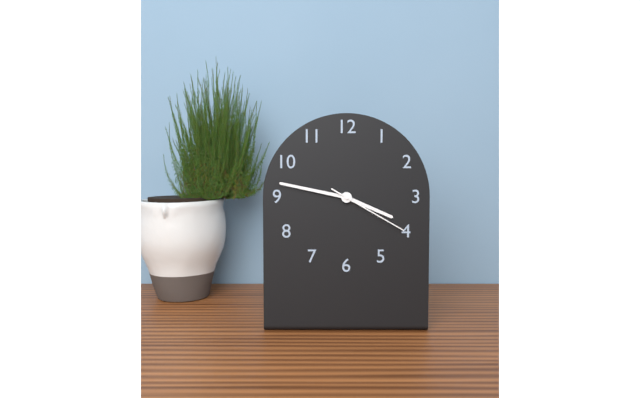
3:47:20
